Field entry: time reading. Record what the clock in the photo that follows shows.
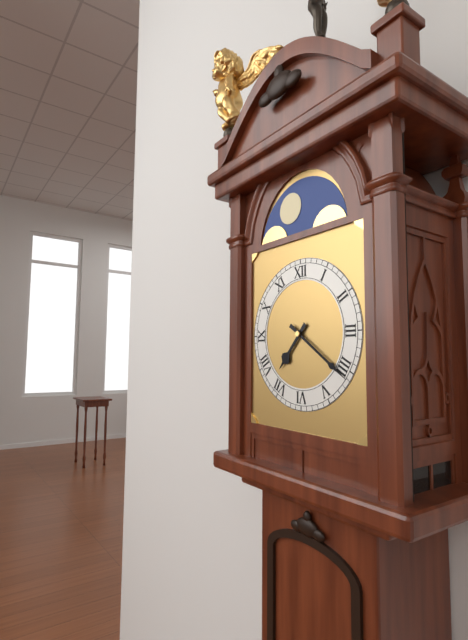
7:21
